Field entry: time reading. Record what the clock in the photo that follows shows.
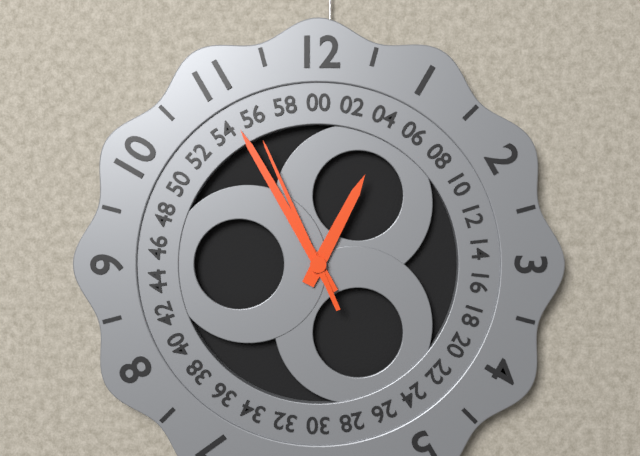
12:55:56
